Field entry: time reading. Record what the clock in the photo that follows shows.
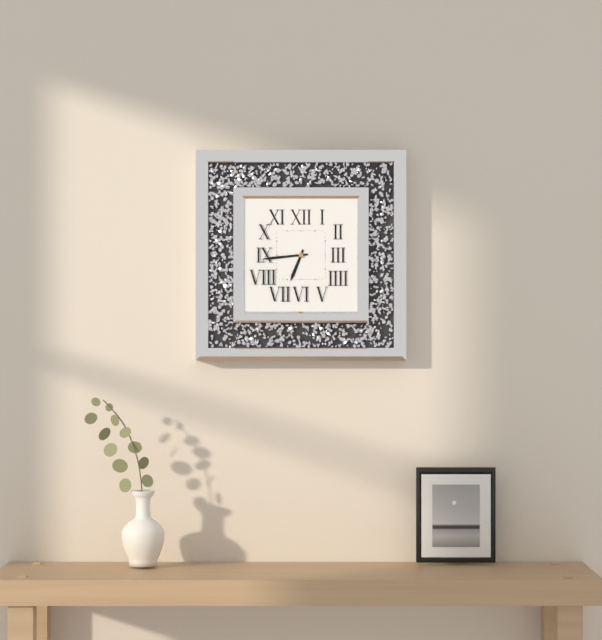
6:44
